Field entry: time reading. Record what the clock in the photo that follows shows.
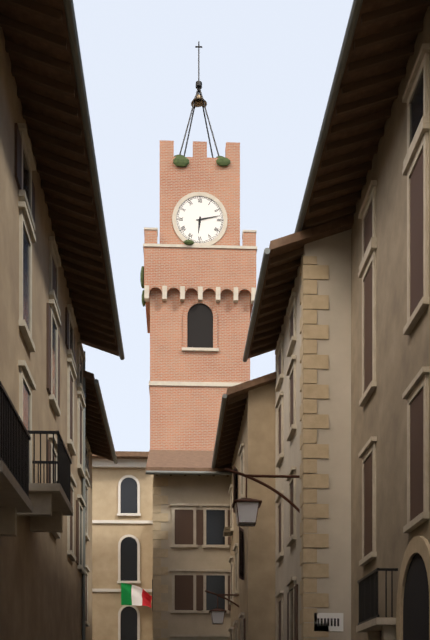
6:13
